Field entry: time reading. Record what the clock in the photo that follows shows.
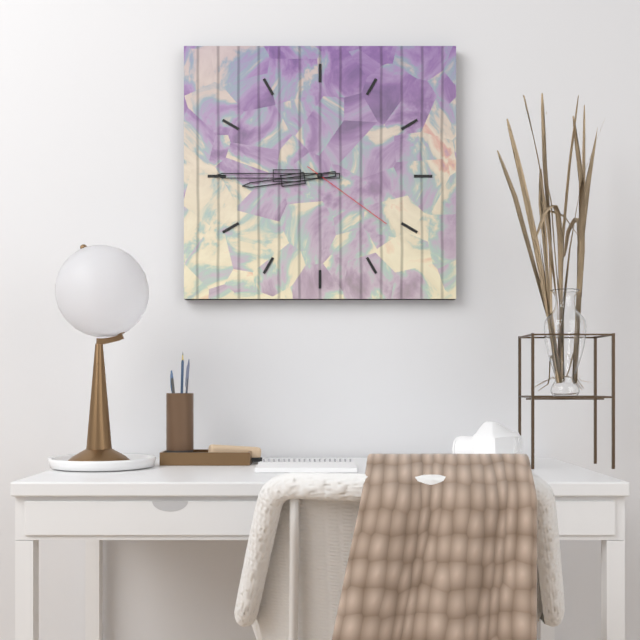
8:45:21
